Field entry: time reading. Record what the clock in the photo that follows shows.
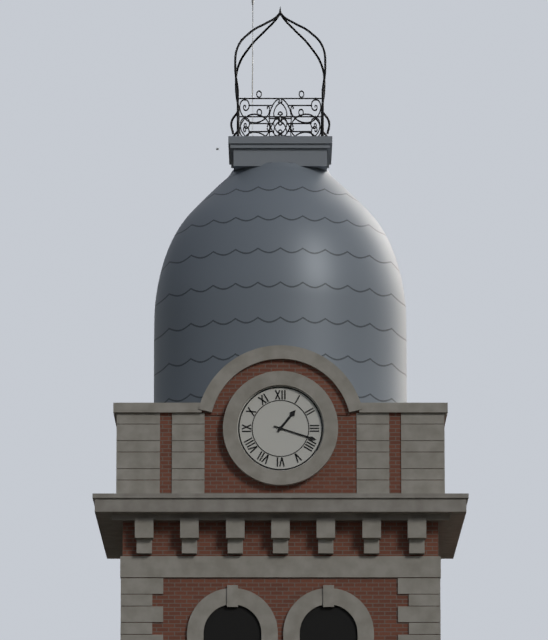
1:18
